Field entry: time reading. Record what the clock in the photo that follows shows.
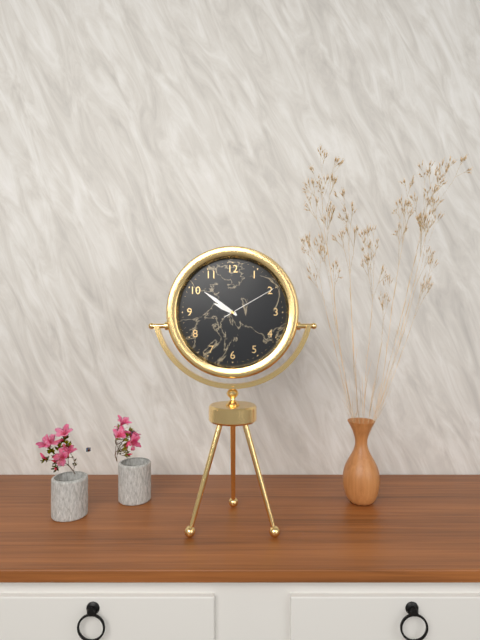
9:51:10
